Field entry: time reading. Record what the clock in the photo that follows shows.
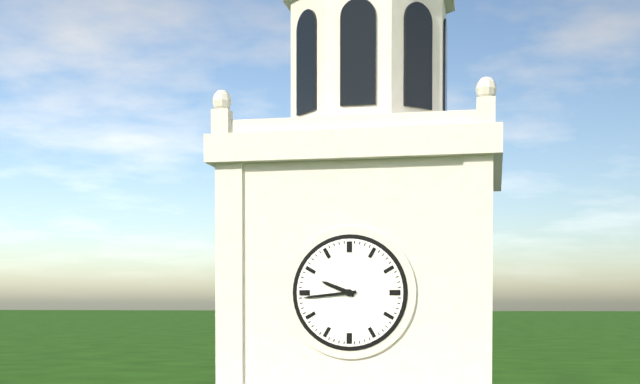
9:44
